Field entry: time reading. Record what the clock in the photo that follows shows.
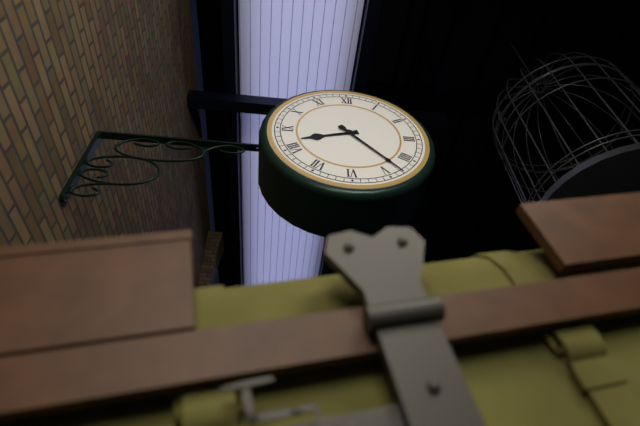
8:23
